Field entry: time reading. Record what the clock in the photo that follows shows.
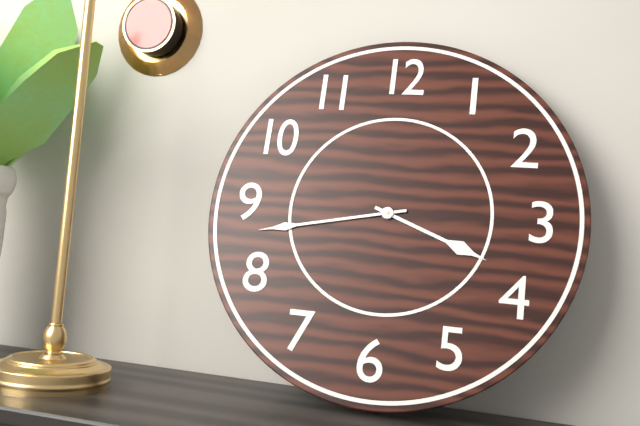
3:43
